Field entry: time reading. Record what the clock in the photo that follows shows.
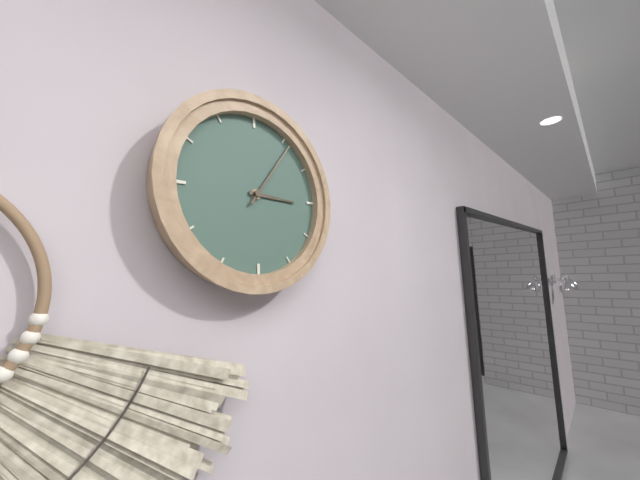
3:06
